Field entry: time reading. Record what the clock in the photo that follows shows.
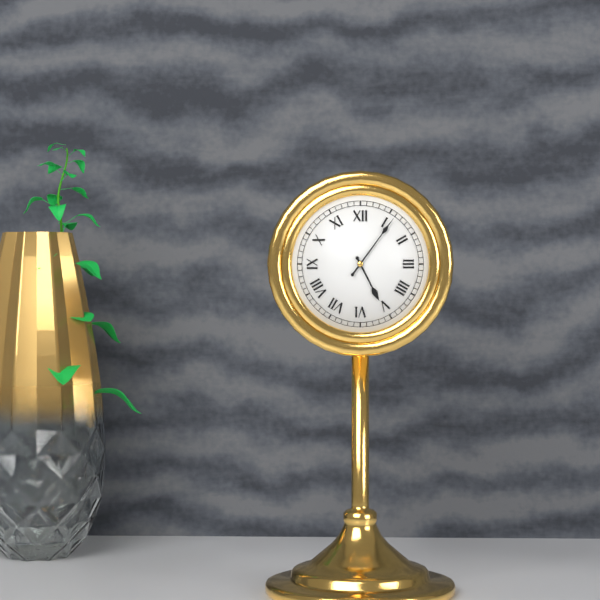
5:06
